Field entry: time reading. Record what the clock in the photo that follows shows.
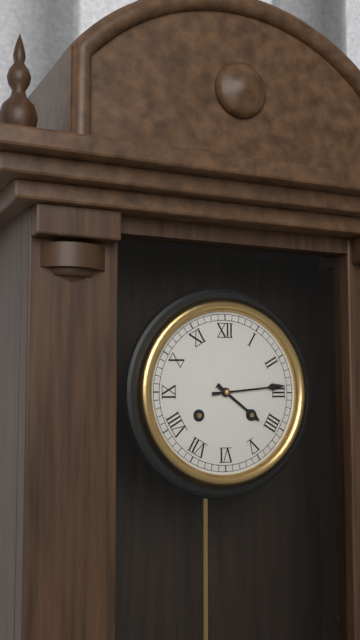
4:14
